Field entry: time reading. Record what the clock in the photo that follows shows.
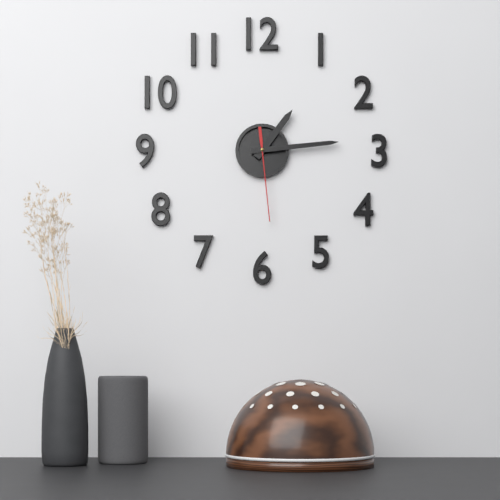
1:14:29
